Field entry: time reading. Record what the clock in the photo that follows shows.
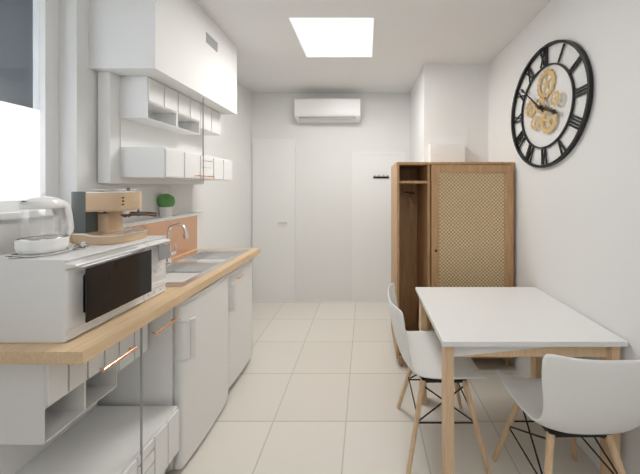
3:52
